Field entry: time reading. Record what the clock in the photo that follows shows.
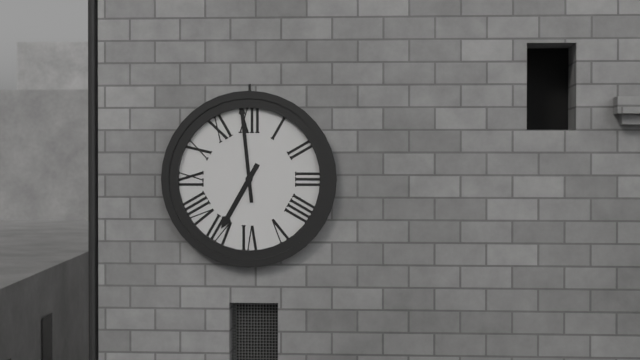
6:59
